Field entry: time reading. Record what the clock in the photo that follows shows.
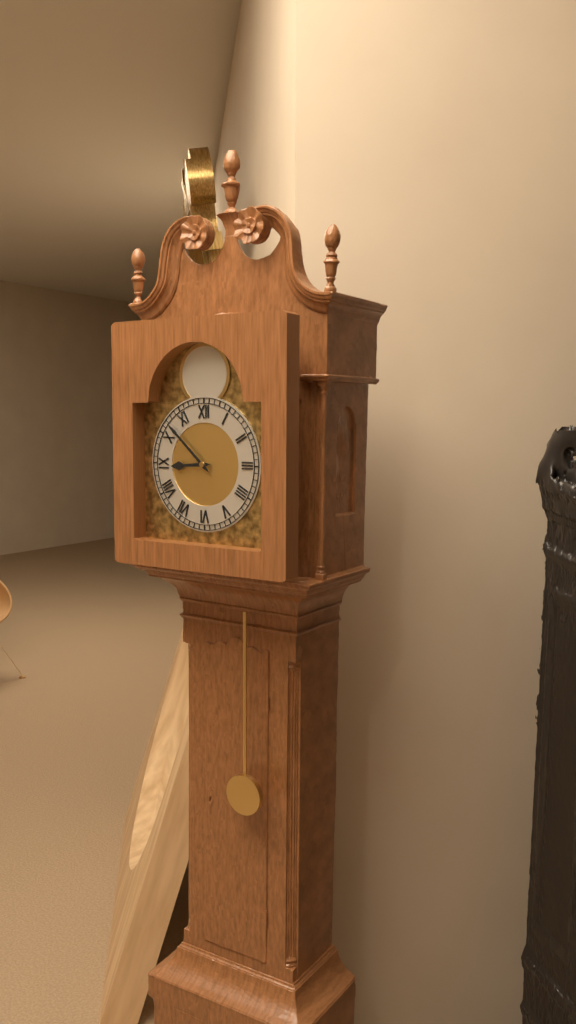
8:52
